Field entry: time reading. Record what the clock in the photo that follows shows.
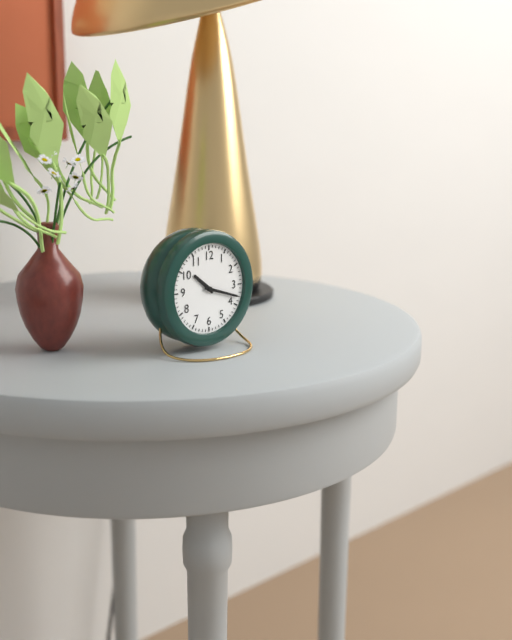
10:18
